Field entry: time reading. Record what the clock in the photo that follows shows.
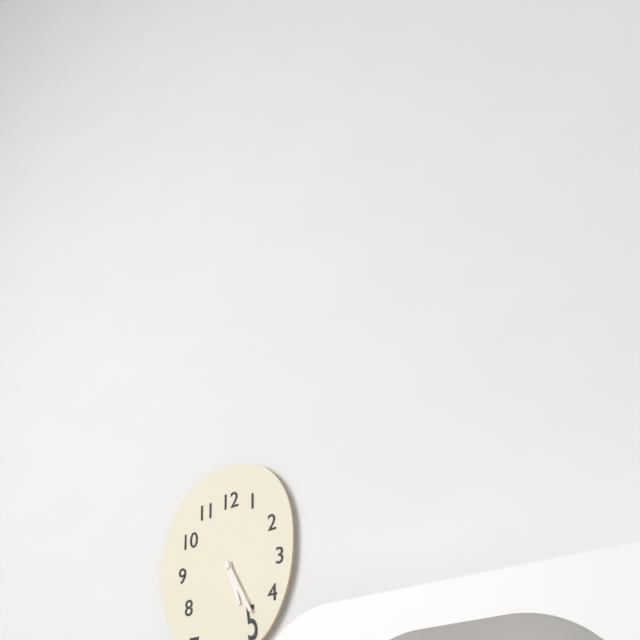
5:25
